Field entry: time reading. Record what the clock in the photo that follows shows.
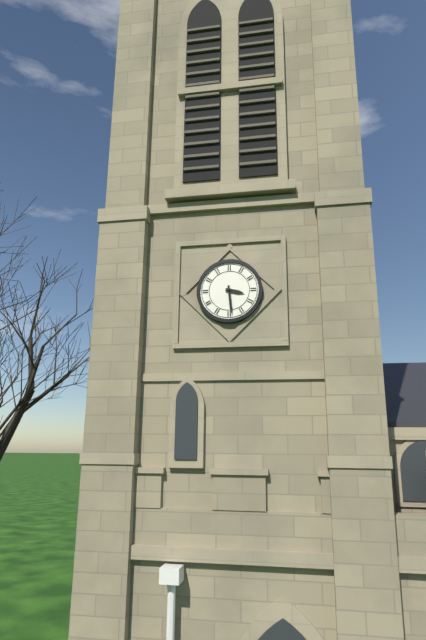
3:29
